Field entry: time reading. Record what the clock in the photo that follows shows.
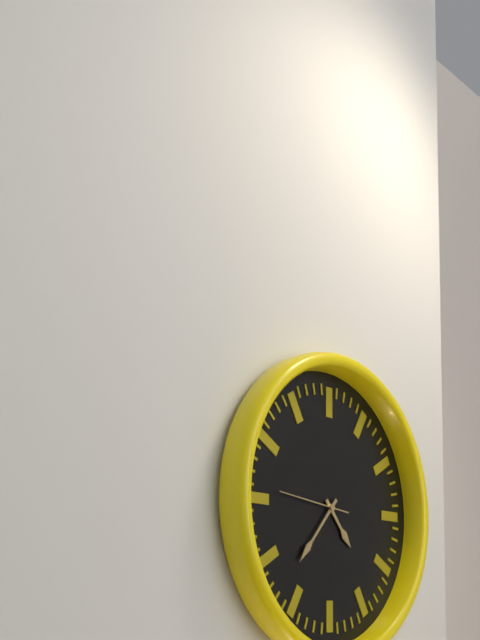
4:37:46
